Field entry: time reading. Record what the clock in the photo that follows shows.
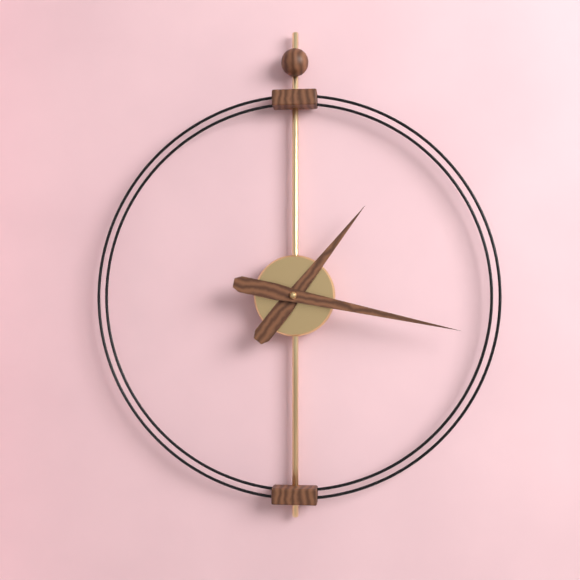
1:17
